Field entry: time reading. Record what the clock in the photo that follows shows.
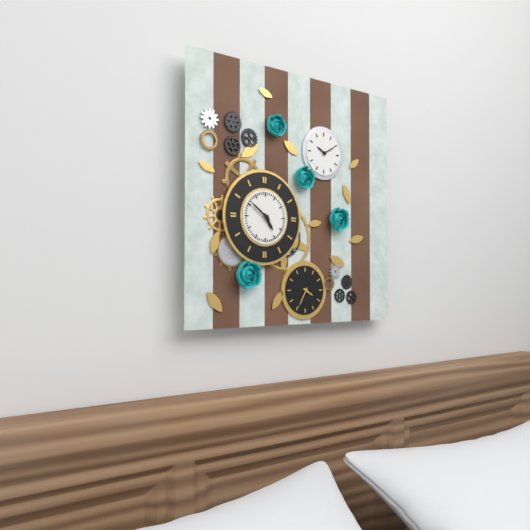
4:51
